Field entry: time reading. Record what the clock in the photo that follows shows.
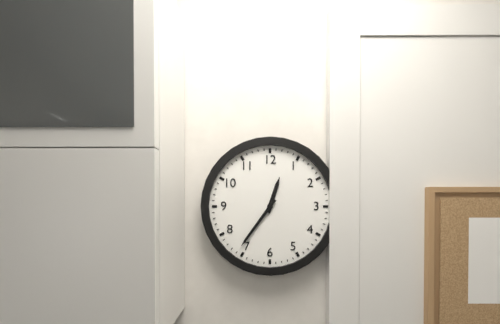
12:36
